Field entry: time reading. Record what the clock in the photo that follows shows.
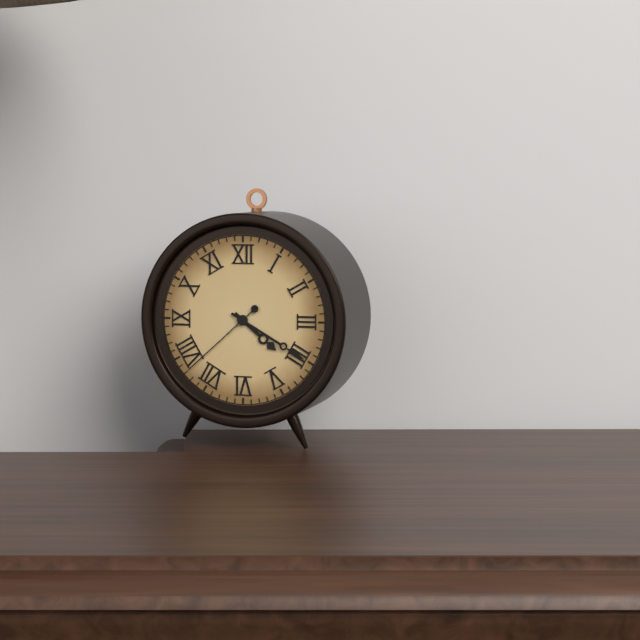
4:20:38
